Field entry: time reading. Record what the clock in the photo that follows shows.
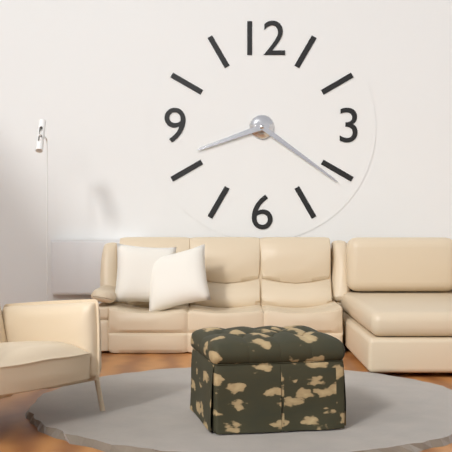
8:21
